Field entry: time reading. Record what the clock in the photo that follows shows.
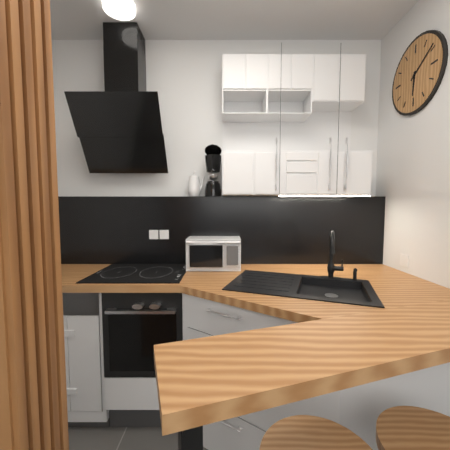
6:09
